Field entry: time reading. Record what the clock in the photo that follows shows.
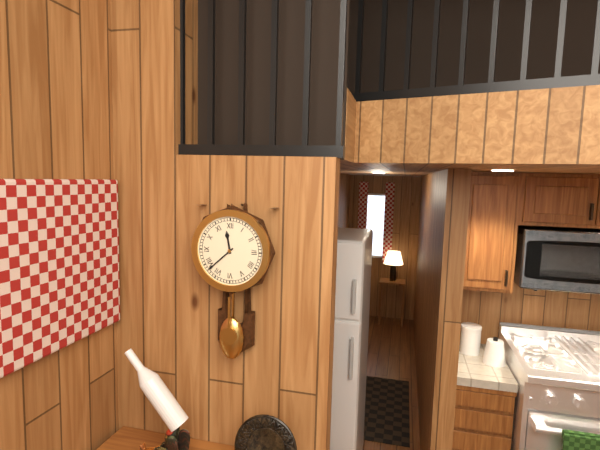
11:38
